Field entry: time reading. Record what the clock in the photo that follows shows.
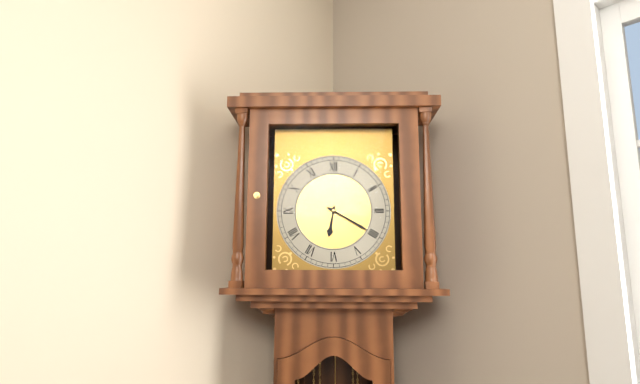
6:20
